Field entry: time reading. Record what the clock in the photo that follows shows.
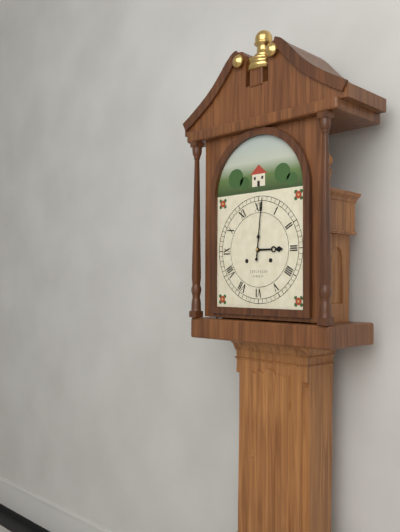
3:01
